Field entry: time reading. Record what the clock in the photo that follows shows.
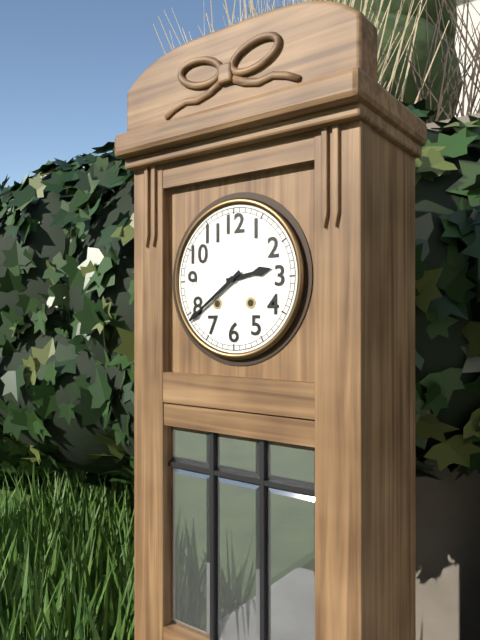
2:39
